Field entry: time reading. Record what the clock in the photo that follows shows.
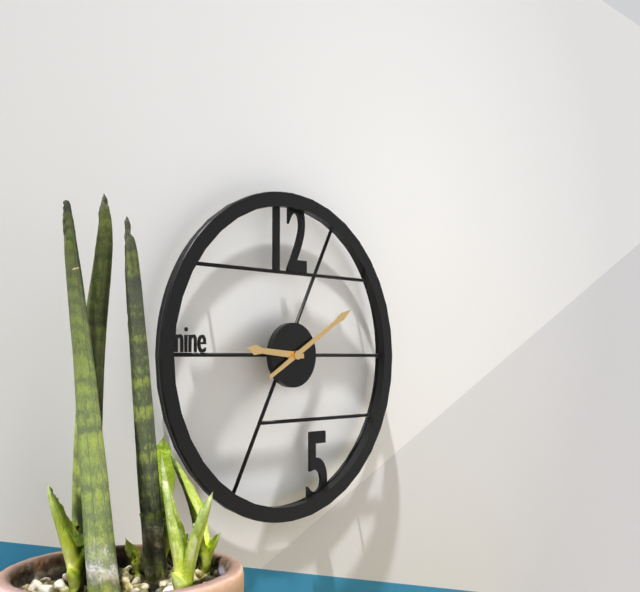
9:10
